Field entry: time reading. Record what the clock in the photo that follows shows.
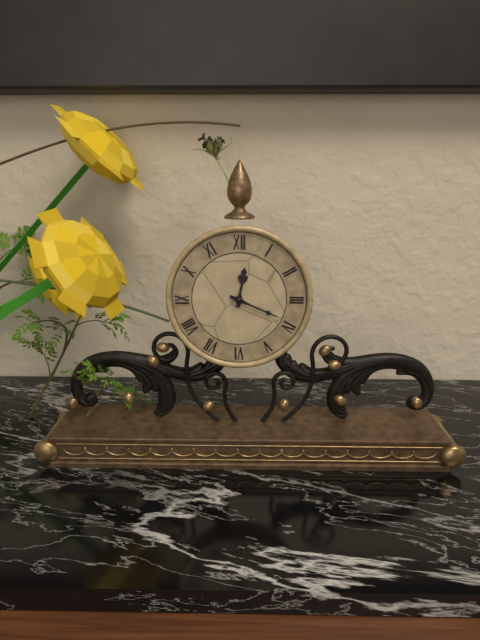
12:19
